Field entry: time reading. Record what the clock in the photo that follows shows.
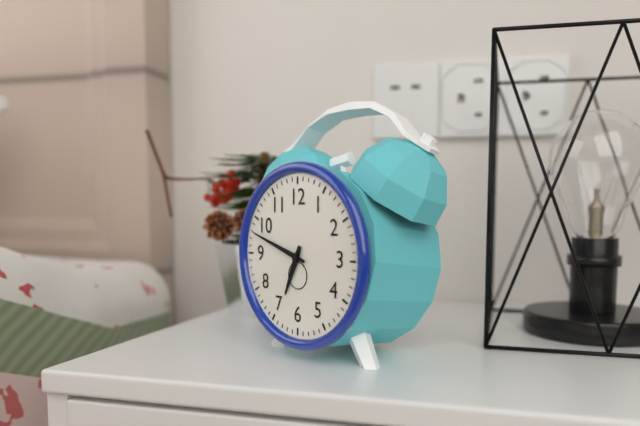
6:48
